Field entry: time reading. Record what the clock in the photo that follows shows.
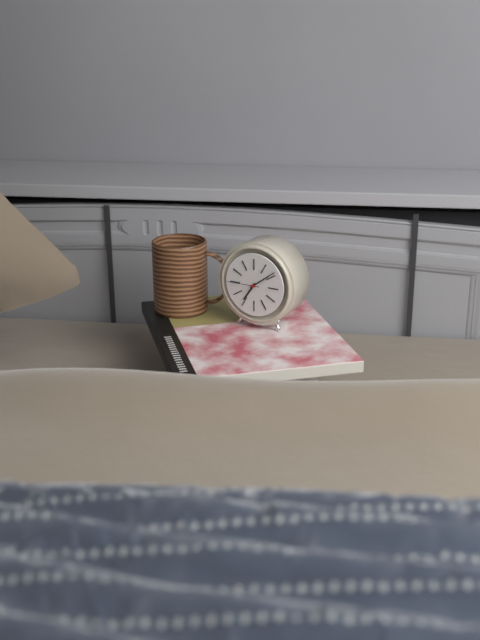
7:09
